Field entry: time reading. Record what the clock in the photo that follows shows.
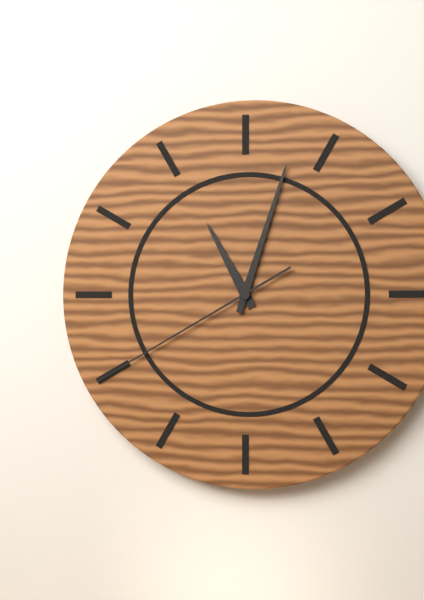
11:03:40
